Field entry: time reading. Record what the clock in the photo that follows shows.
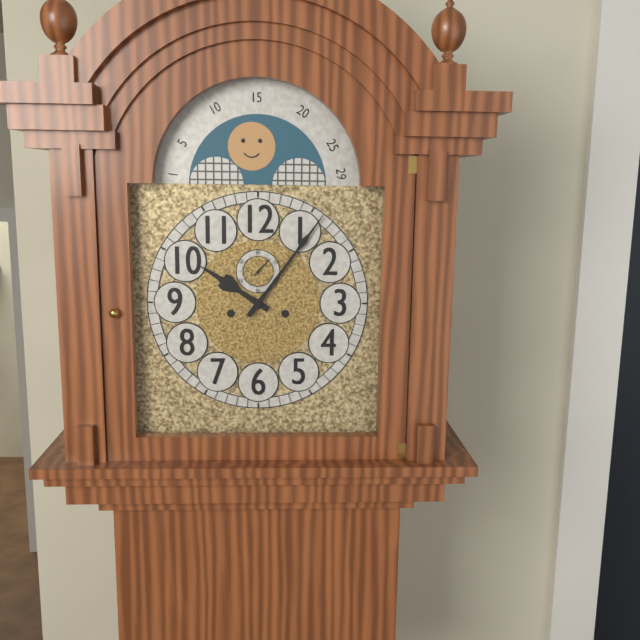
10:06
